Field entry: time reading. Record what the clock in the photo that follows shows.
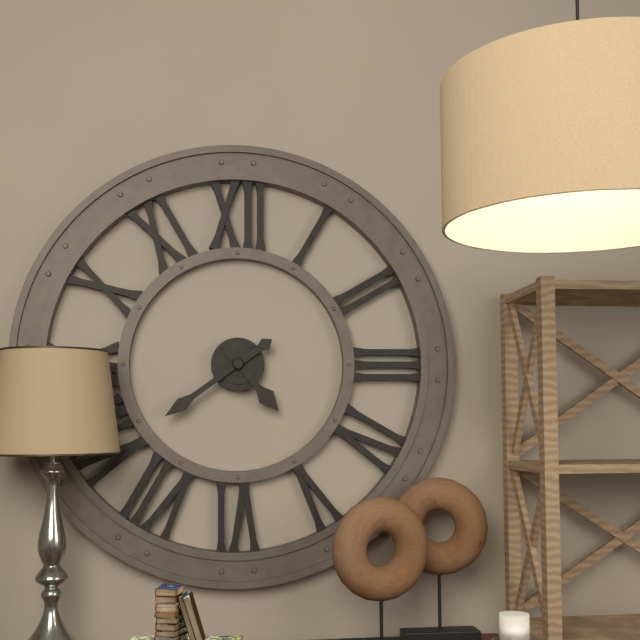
4:39
